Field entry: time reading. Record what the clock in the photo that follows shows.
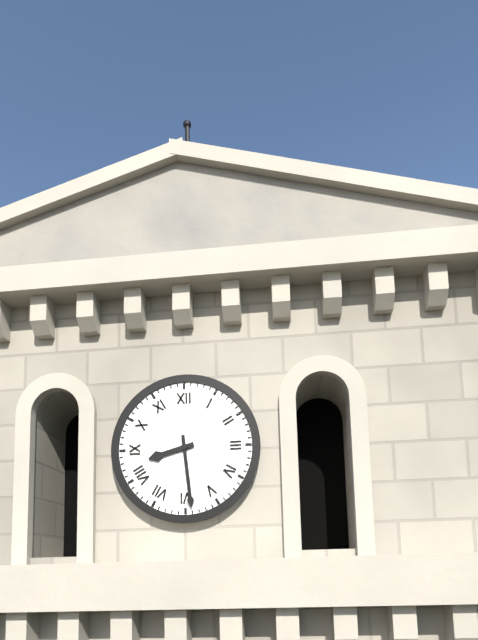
8:29
